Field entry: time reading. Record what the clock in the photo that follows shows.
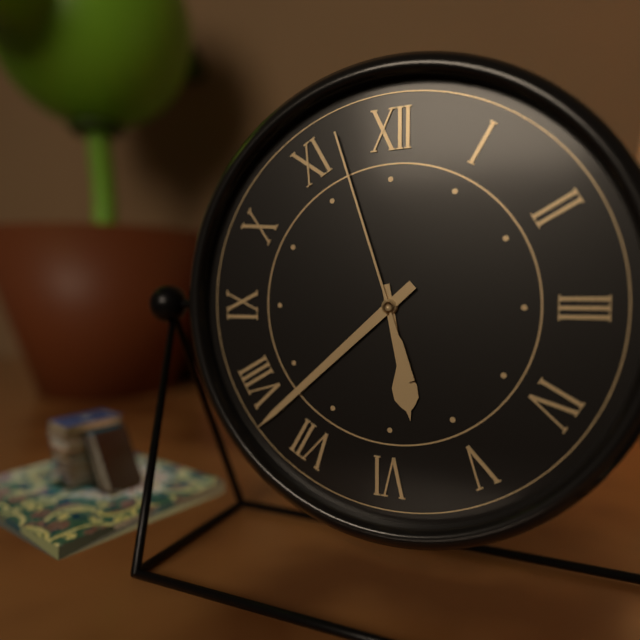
5:38:57
